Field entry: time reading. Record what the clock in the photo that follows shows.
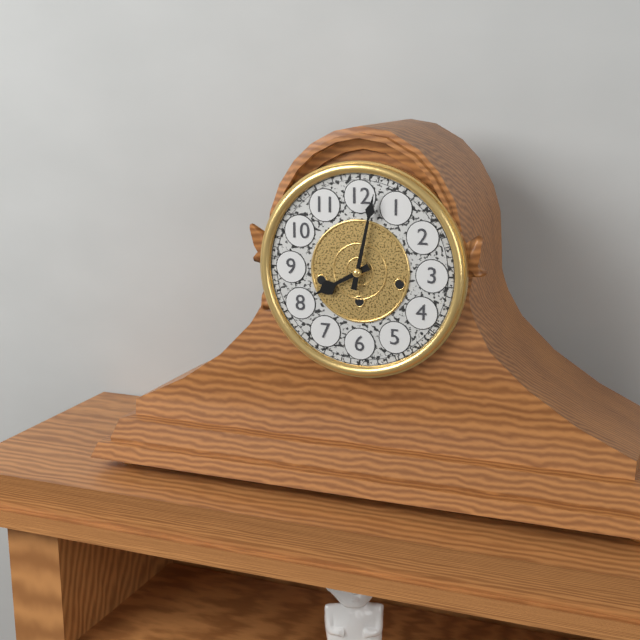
8:02
